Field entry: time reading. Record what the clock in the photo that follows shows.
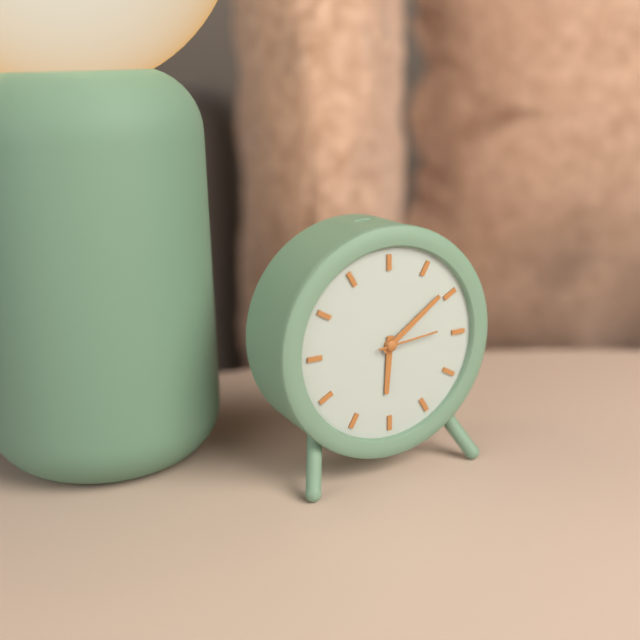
6:09:14
